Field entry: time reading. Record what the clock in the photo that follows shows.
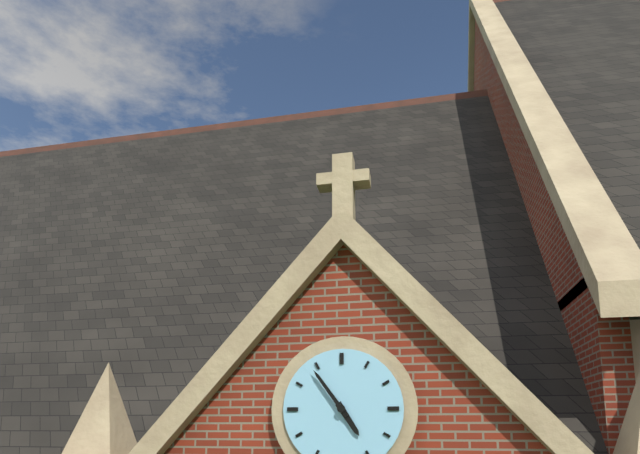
4:54
